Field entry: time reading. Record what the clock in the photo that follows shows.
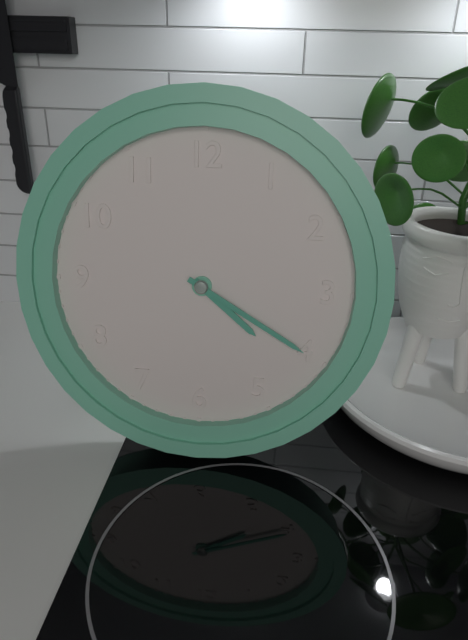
4:20
